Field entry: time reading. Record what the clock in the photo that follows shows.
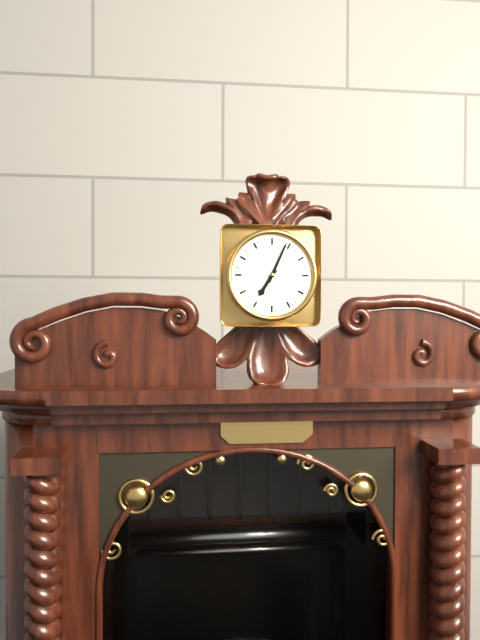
7:04
